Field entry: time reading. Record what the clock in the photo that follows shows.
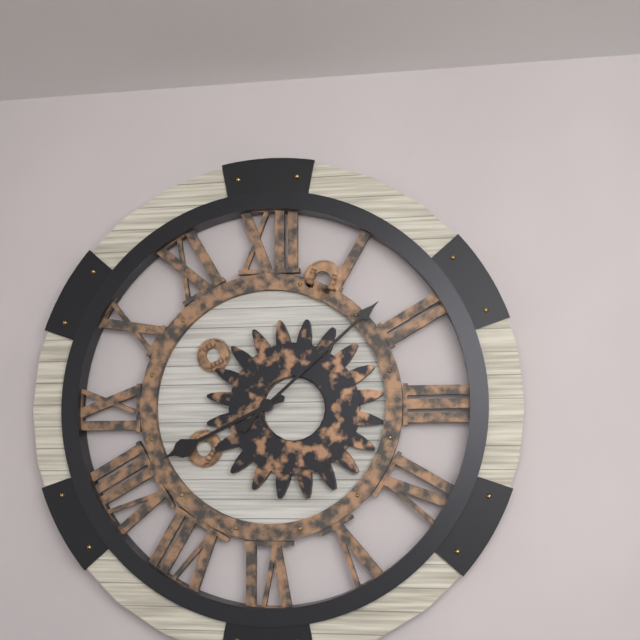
8:08
